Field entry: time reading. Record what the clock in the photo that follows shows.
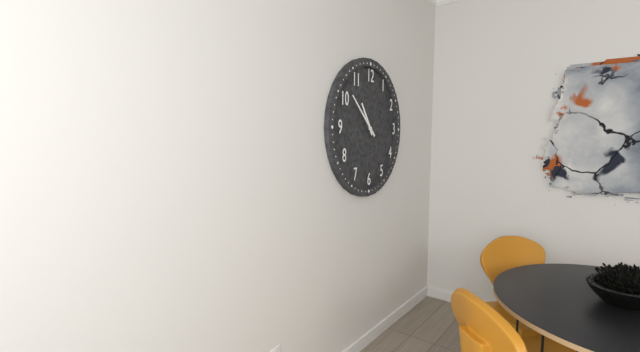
10:52
